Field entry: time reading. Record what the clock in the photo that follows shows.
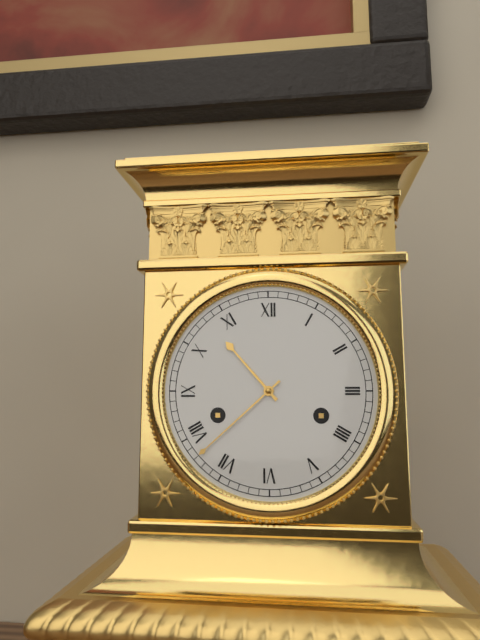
10:38
